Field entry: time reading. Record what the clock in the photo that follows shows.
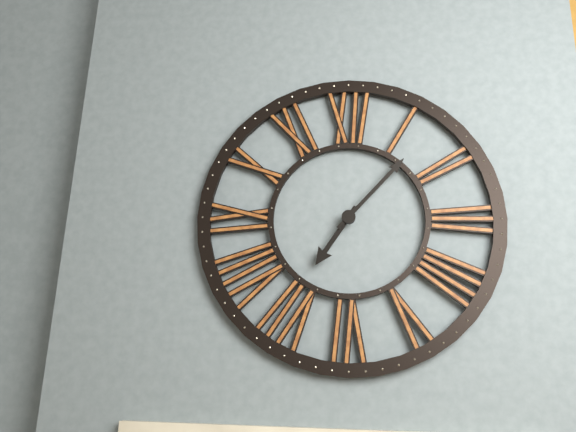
7:07
